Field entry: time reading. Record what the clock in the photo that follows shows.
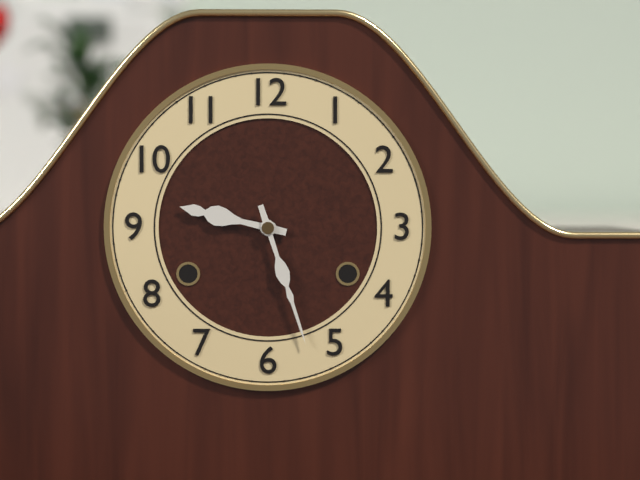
9:27
